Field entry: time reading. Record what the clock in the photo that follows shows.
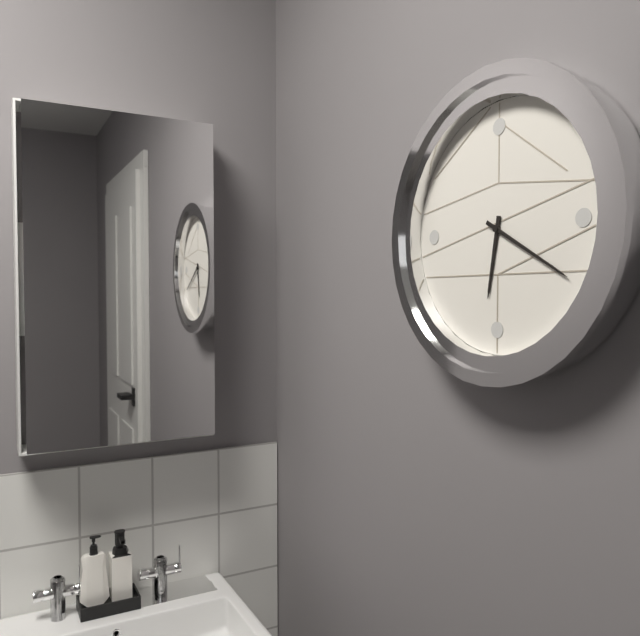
6:20
